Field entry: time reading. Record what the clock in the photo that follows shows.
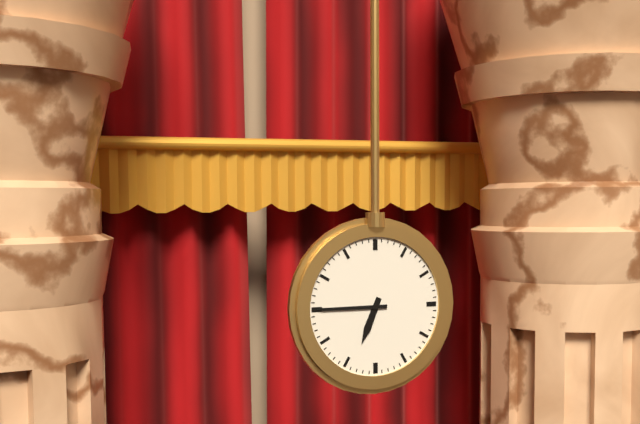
6:45
